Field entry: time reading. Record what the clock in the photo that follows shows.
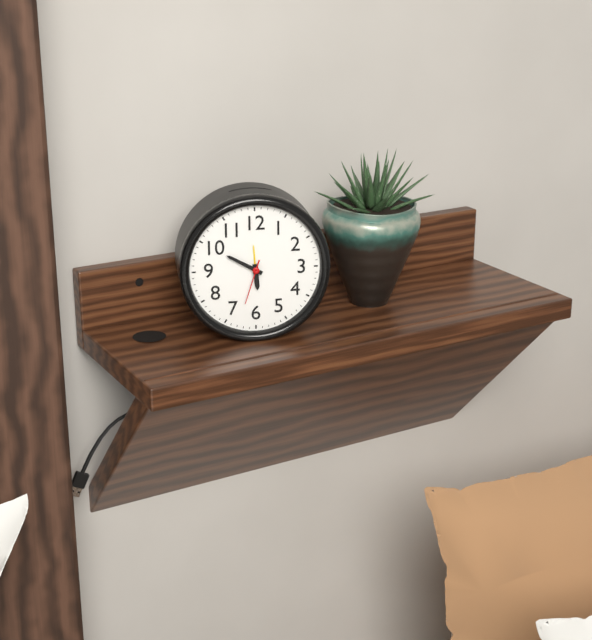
5:50
